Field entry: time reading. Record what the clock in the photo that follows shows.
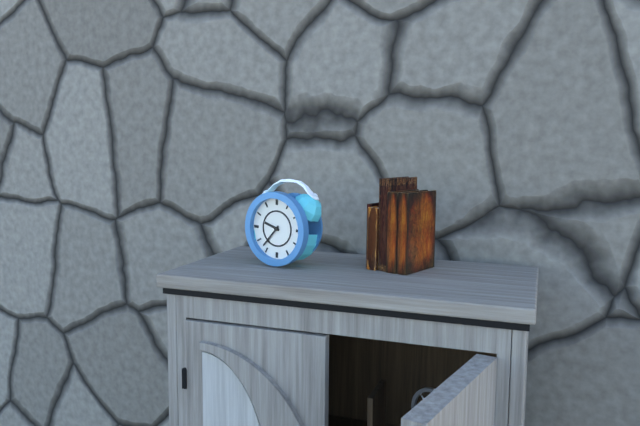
9:37
